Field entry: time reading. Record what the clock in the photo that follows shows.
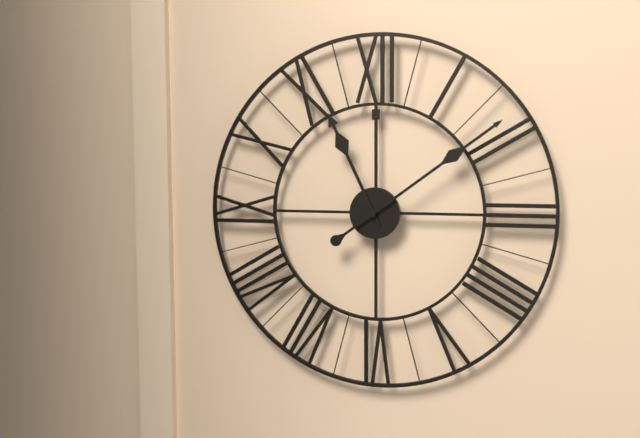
11:09
